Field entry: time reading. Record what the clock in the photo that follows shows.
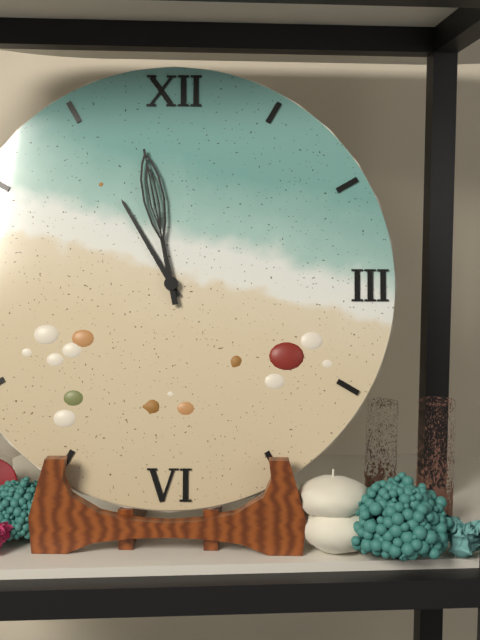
10:58
